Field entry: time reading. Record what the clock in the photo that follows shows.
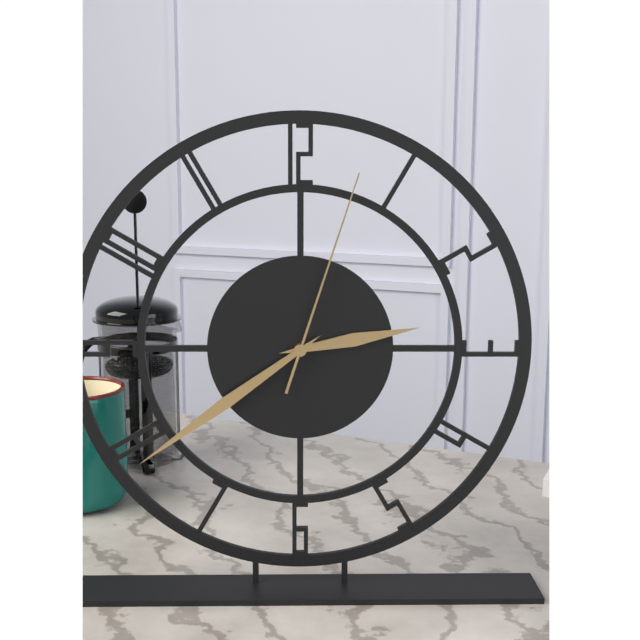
2:39:03
